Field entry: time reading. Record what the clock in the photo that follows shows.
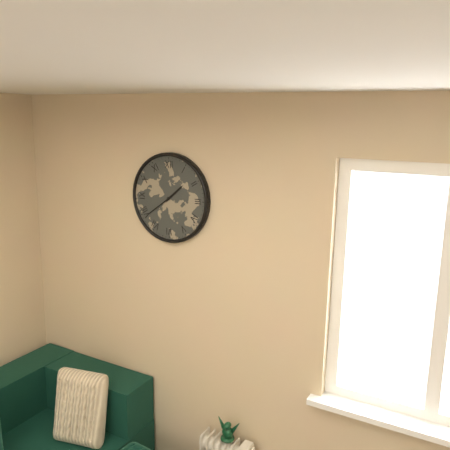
1:39
